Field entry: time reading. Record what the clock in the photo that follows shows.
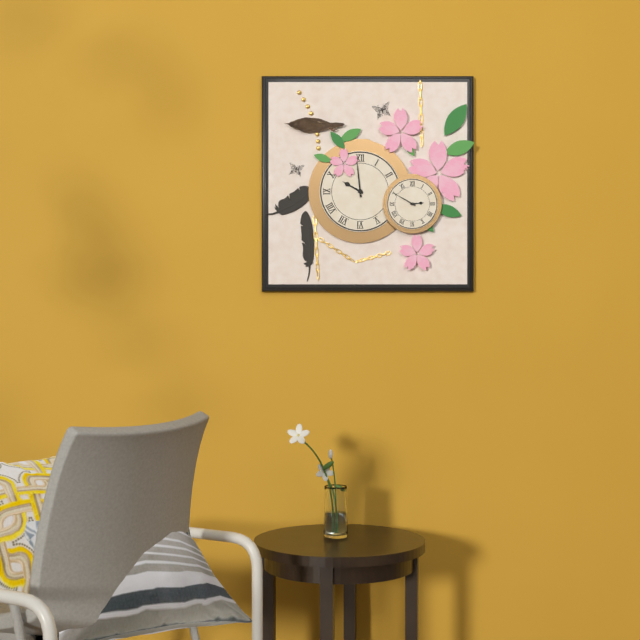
9:59
